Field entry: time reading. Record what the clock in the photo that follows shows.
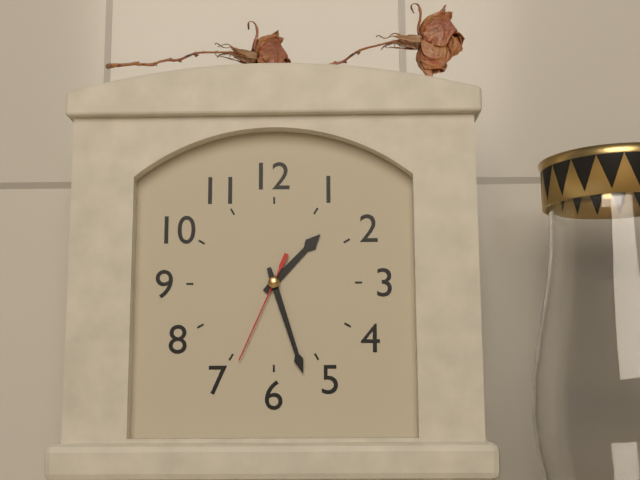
1:27:34
